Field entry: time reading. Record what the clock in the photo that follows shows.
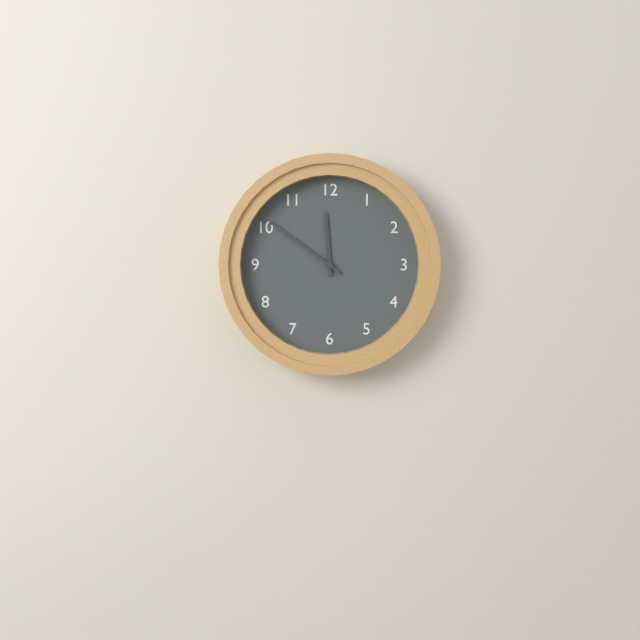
11:51
